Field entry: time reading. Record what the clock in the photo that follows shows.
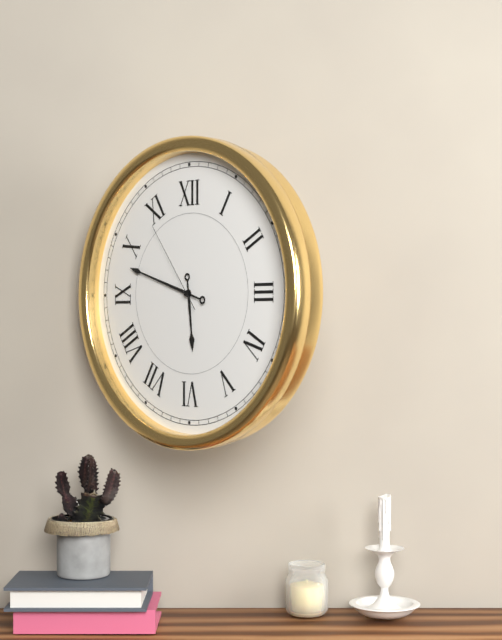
5:48:54
